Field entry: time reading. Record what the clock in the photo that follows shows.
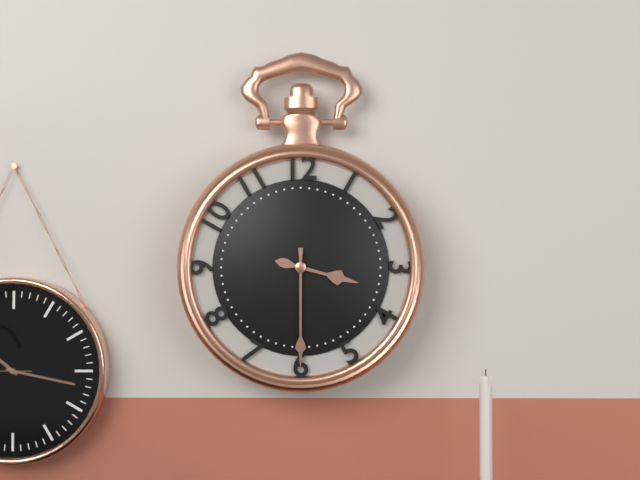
3:30
